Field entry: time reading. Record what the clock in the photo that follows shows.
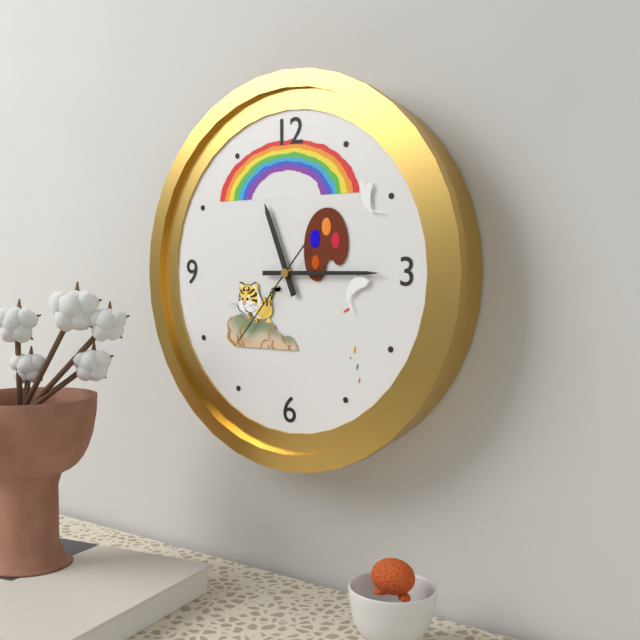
11:15:37
